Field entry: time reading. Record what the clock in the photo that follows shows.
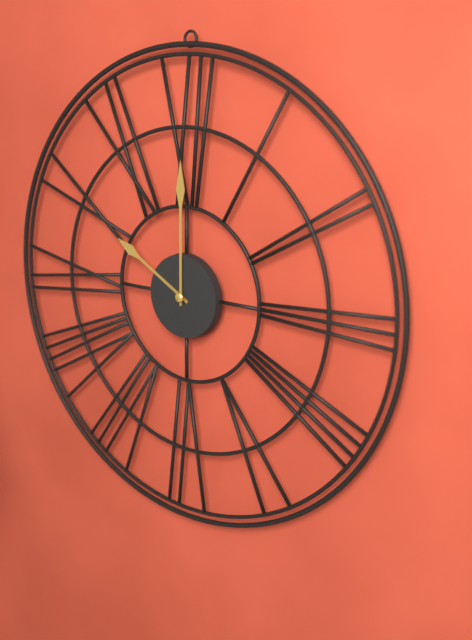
10:00
